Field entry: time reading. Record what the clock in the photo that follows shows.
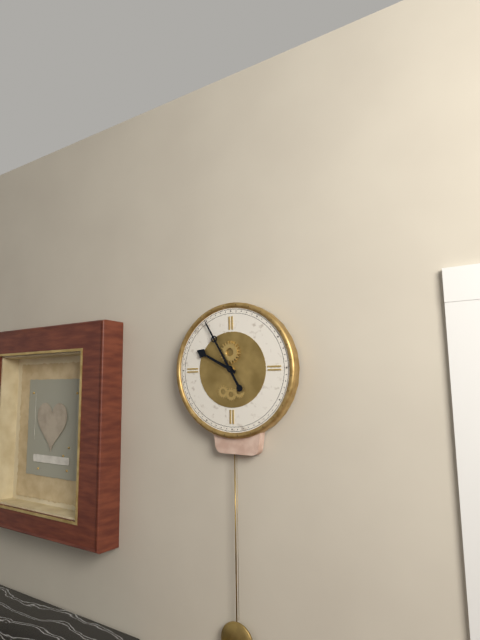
9:55
